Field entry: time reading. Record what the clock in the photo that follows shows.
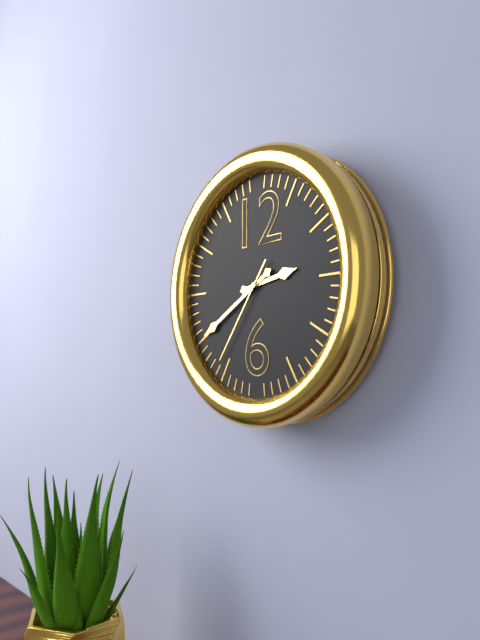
2:40:36
